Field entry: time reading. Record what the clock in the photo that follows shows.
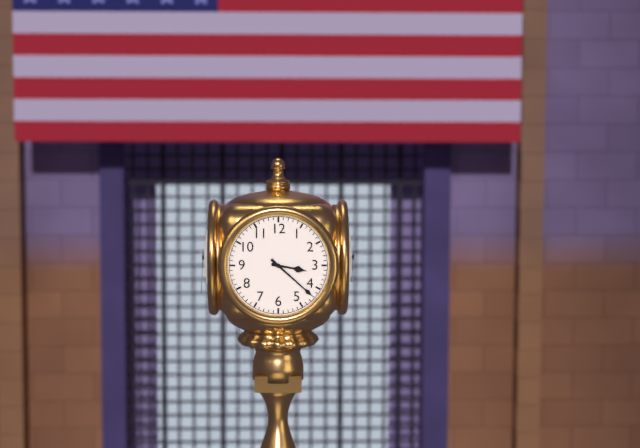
3:22
